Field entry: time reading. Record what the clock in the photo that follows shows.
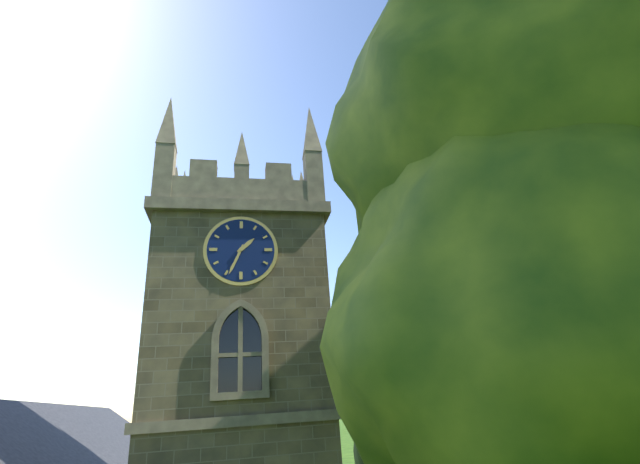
1:34
